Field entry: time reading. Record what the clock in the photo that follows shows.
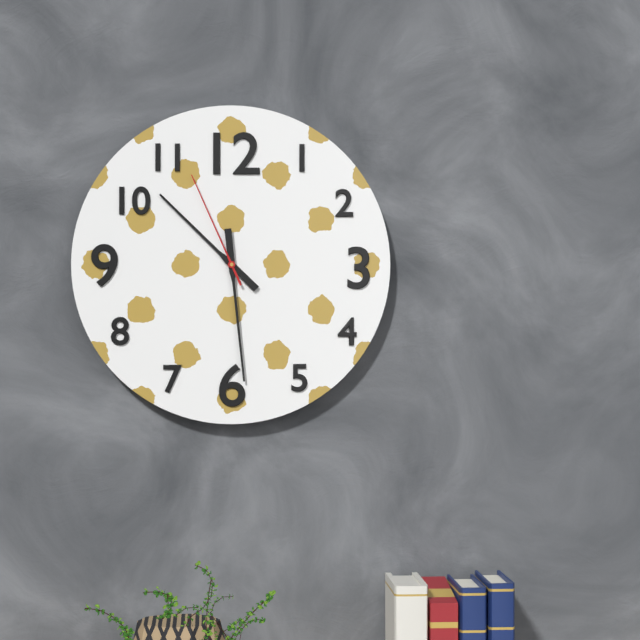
10:29:56
